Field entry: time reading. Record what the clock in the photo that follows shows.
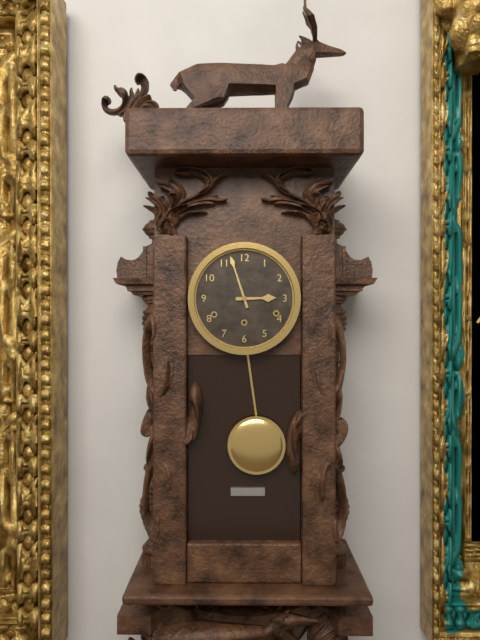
2:57
